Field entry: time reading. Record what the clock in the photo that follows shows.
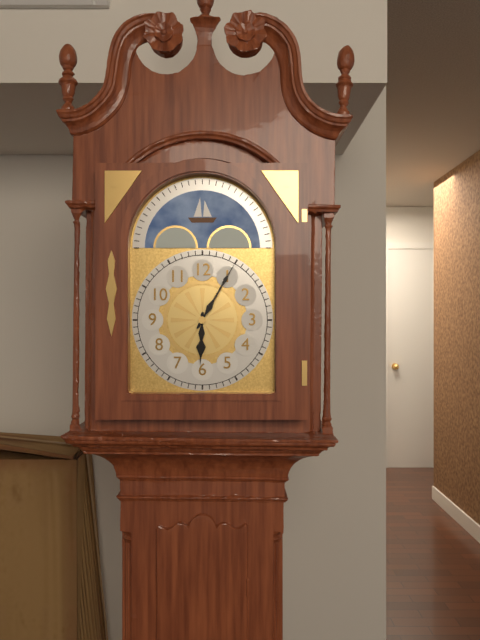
6:05
